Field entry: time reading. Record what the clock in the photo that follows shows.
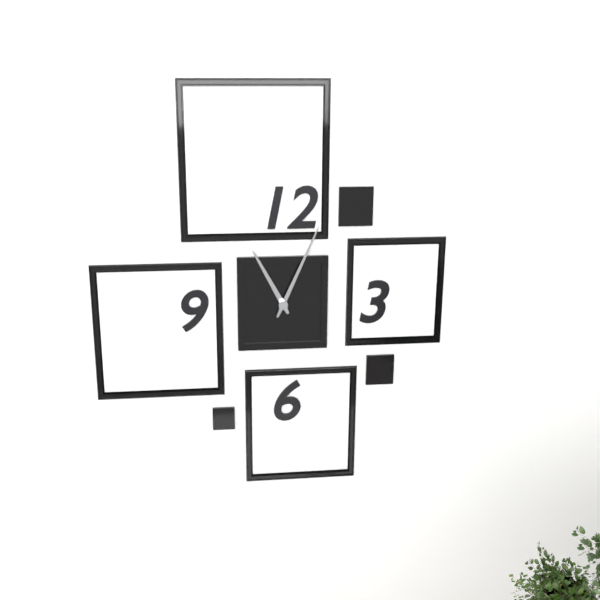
11:04
